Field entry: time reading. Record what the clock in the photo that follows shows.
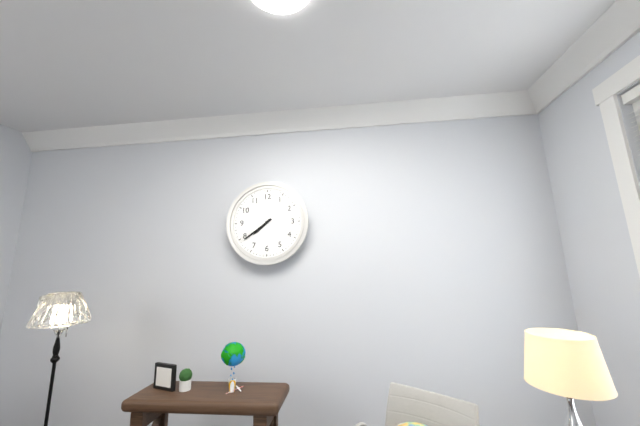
7:39
